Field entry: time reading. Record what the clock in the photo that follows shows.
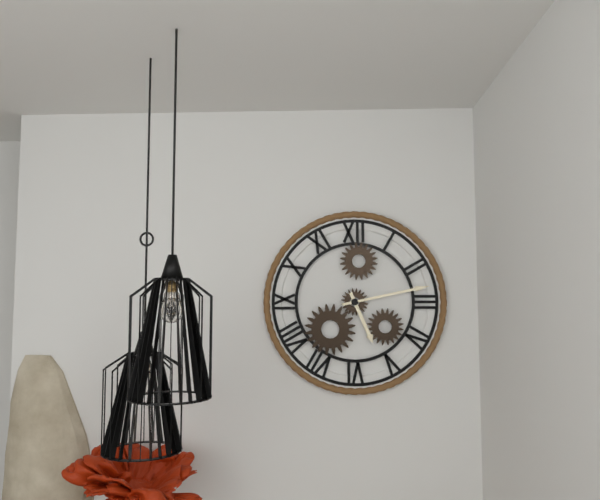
5:13
